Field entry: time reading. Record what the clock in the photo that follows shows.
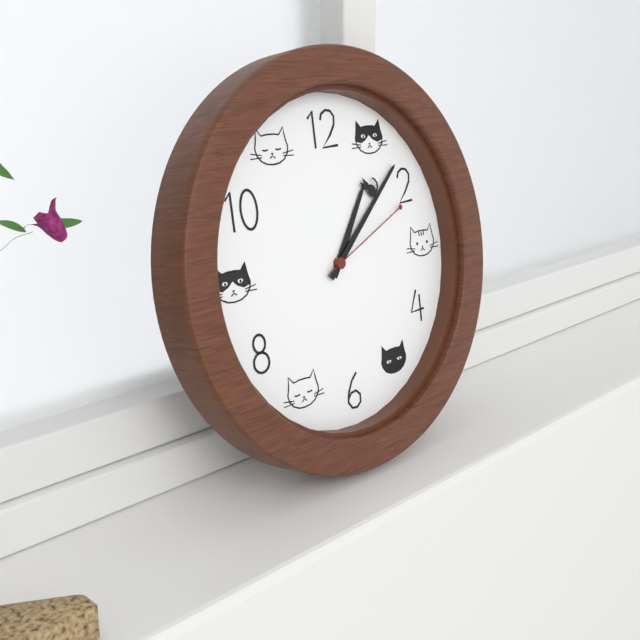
1:08:11
